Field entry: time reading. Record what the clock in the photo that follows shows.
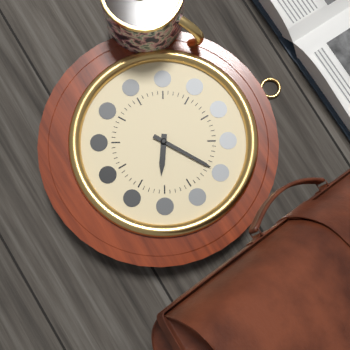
4:10
